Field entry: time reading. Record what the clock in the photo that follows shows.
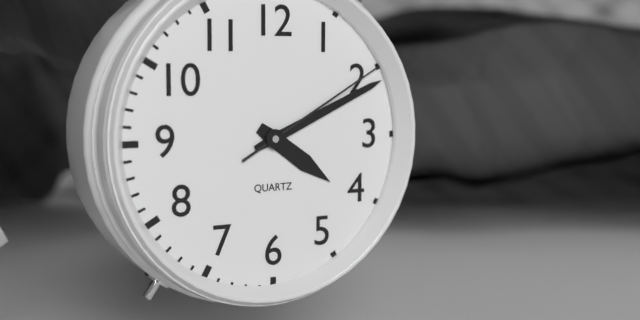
4:11:10
